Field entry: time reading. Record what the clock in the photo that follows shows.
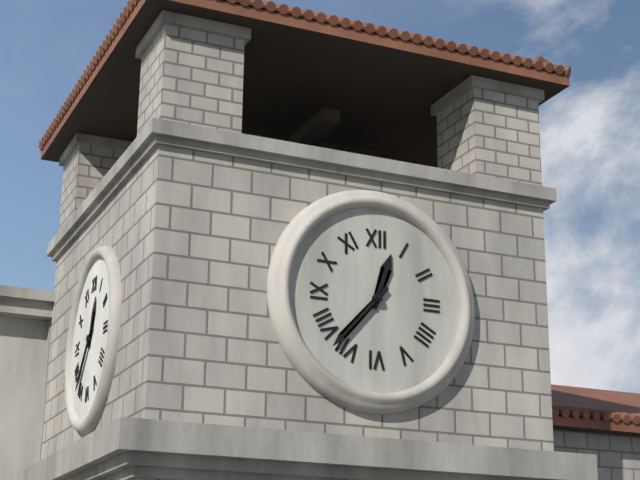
12:37
